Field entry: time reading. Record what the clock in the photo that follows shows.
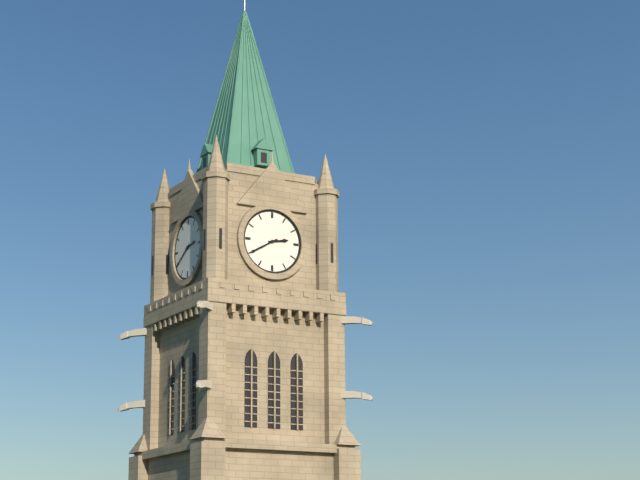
2:40
